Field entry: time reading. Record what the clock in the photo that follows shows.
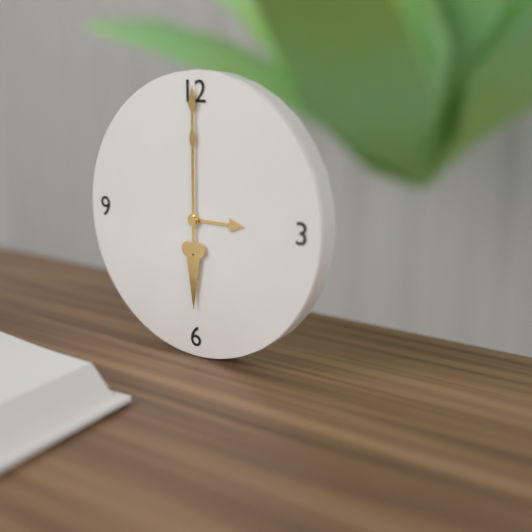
3:00
